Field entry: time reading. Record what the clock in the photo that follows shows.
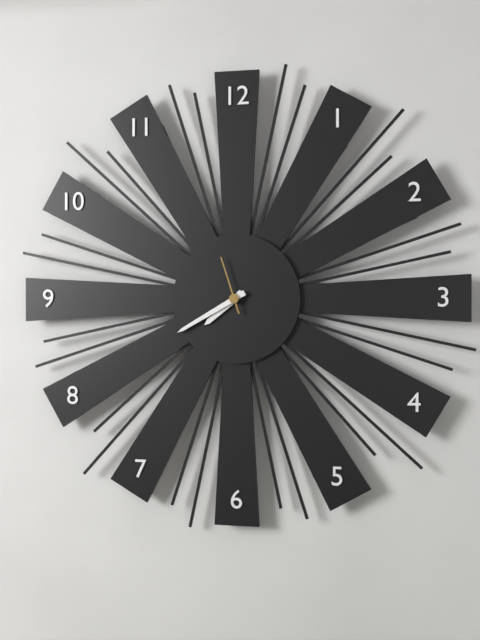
7:40:57
